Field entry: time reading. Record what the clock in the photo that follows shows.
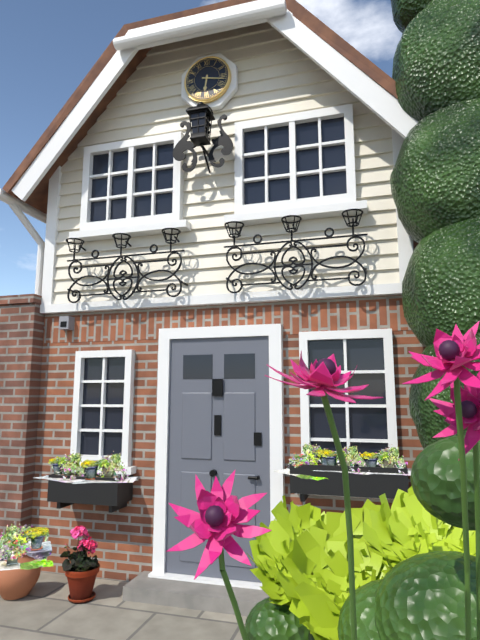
6:17
